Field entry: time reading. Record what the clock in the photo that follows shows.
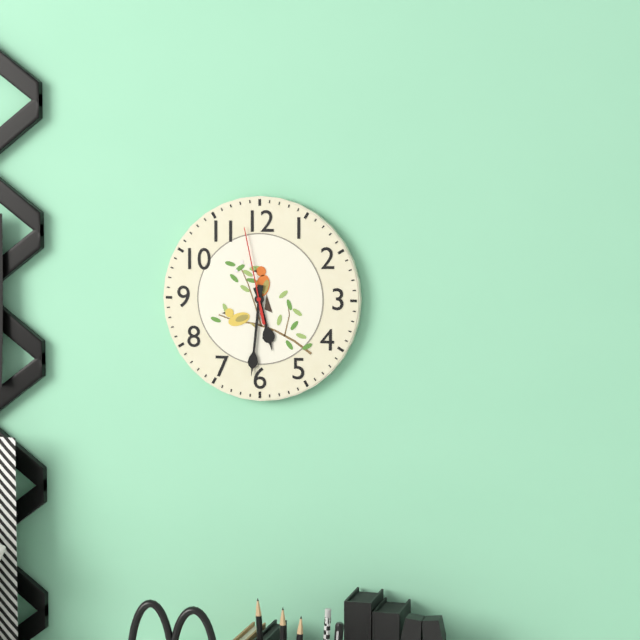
5:31:58
